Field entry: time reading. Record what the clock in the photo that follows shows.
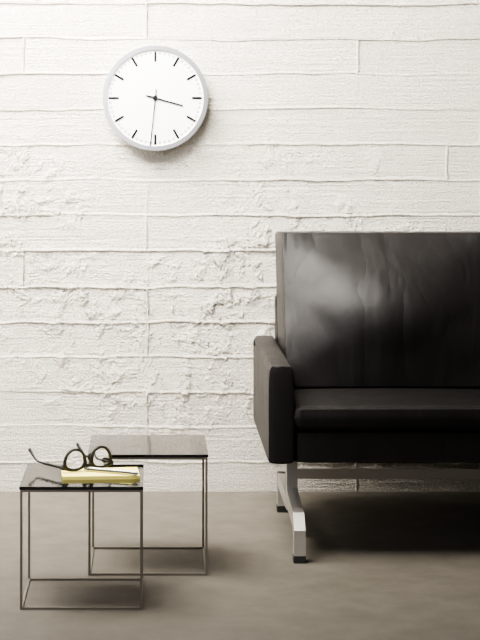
3:31
